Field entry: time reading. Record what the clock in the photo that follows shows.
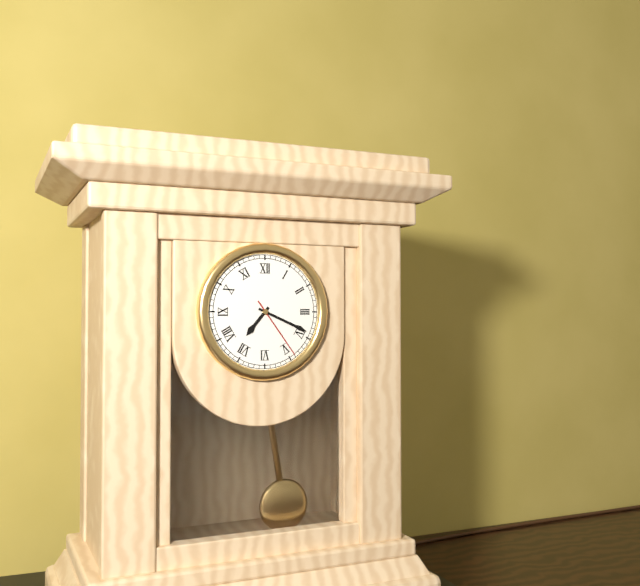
7:19:24
